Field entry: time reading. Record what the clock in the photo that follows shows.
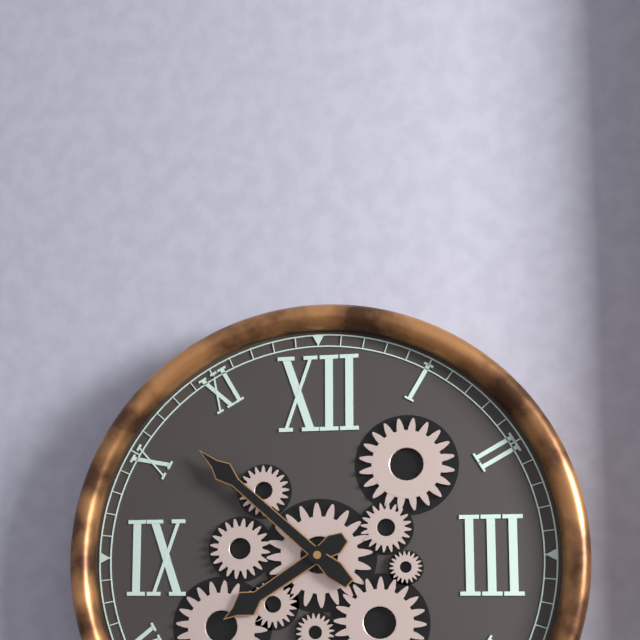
7:52
